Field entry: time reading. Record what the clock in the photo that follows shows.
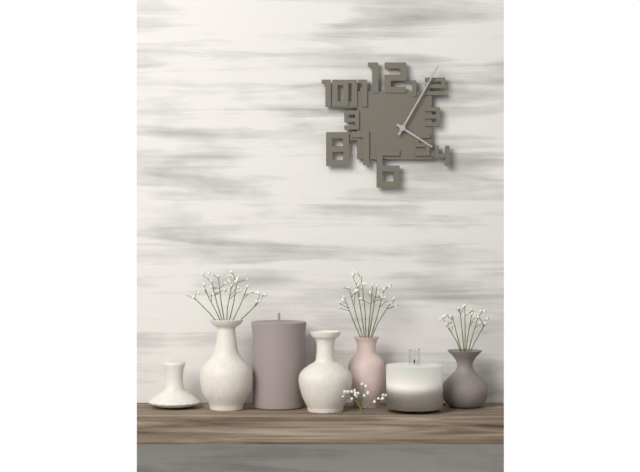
4:05
